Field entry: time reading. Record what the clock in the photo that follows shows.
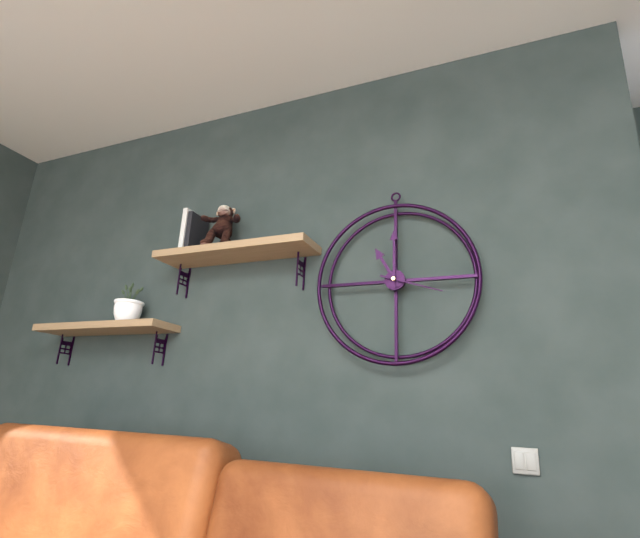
11:00:18
